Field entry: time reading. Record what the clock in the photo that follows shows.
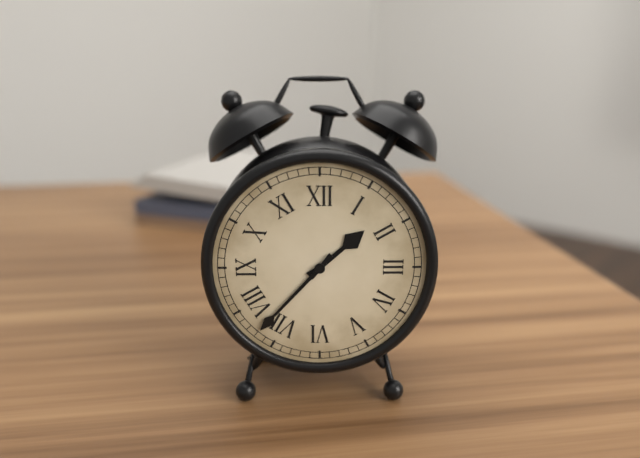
1:37
